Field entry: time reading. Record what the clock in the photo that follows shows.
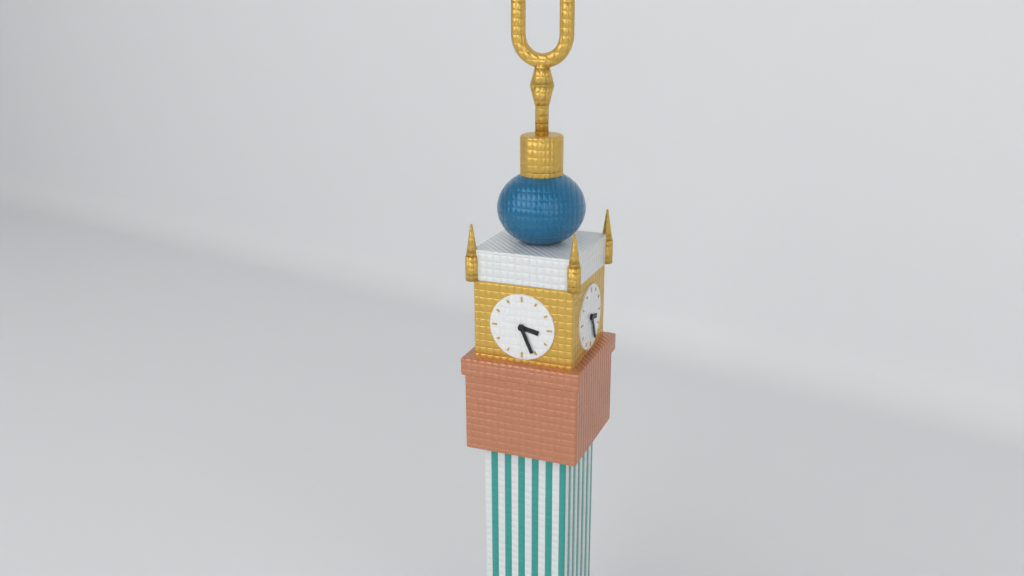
3:26
